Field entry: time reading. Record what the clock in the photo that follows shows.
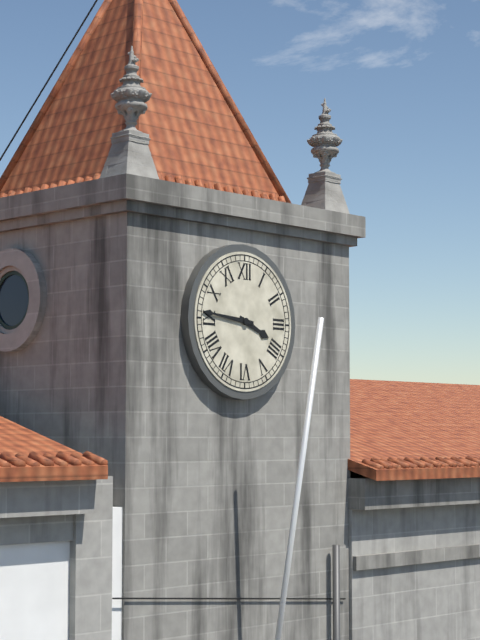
3:46
